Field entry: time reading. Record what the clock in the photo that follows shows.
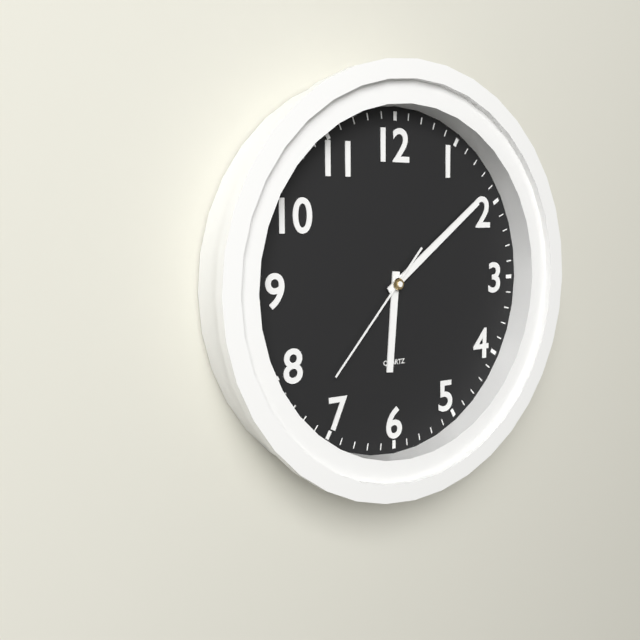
6:09:37
